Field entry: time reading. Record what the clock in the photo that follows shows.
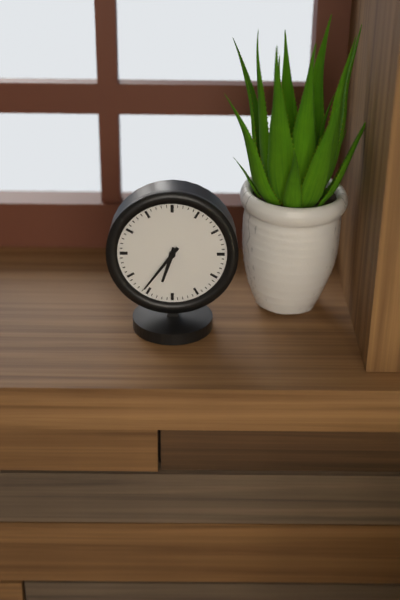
6:36
